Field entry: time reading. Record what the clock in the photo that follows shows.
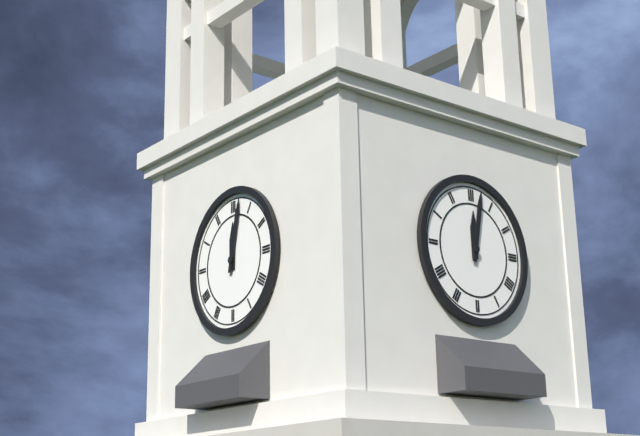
12:02
